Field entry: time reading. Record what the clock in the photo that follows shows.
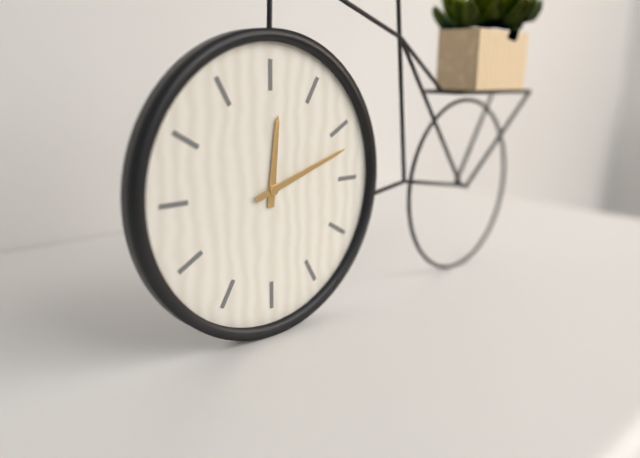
12:12
